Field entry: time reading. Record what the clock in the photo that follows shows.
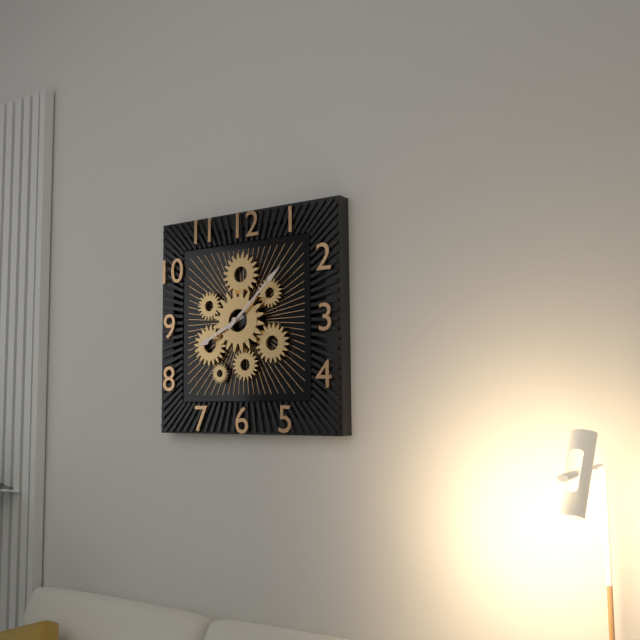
8:08
